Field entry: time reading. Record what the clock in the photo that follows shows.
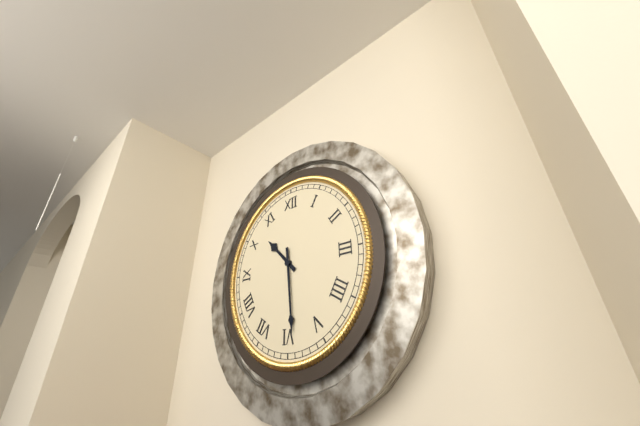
10:29
